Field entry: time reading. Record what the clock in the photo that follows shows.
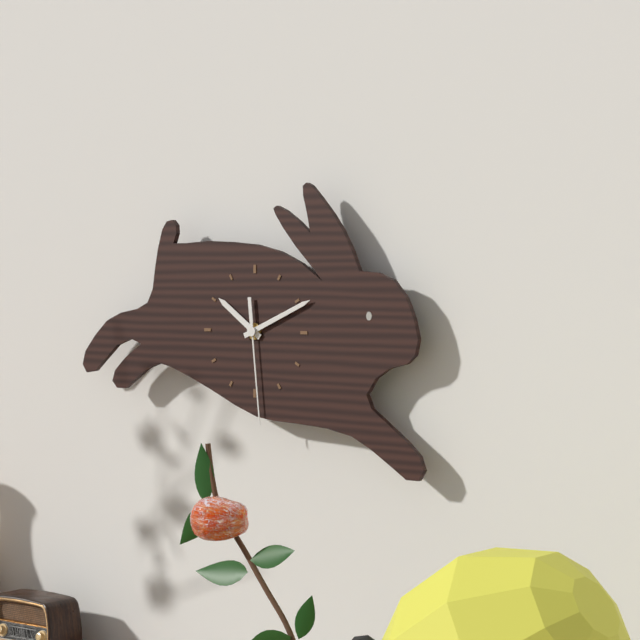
10:11:29
